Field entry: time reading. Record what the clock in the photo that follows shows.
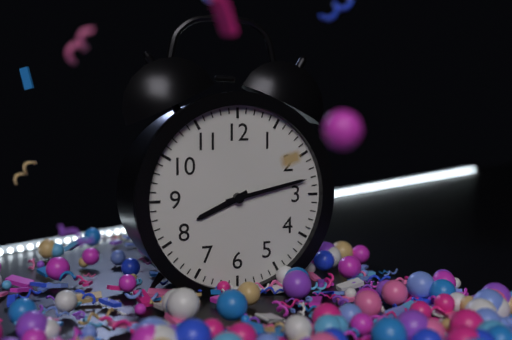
8:13
